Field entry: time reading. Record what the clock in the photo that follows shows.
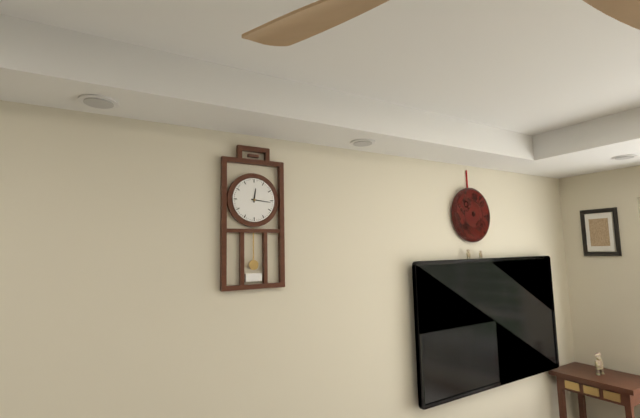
12:16
